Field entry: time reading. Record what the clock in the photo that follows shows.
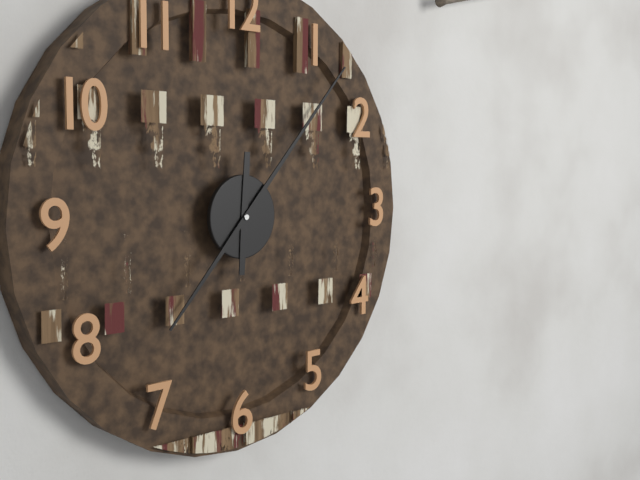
12:07
